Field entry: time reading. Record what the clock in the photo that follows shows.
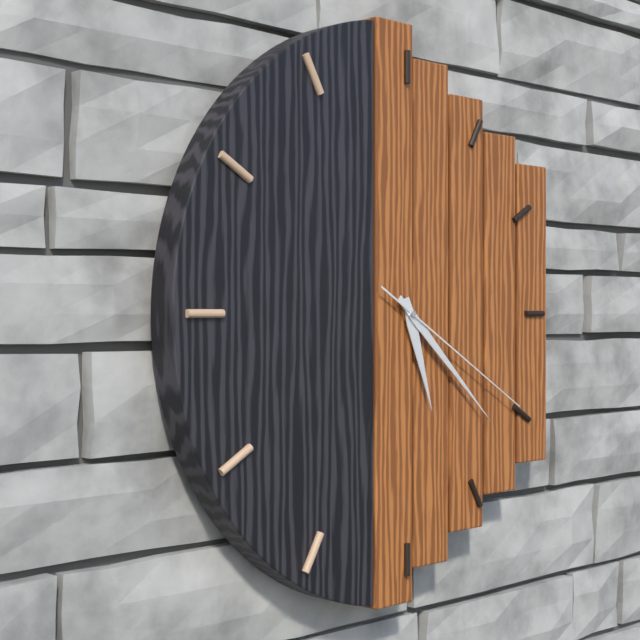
5:22:20
